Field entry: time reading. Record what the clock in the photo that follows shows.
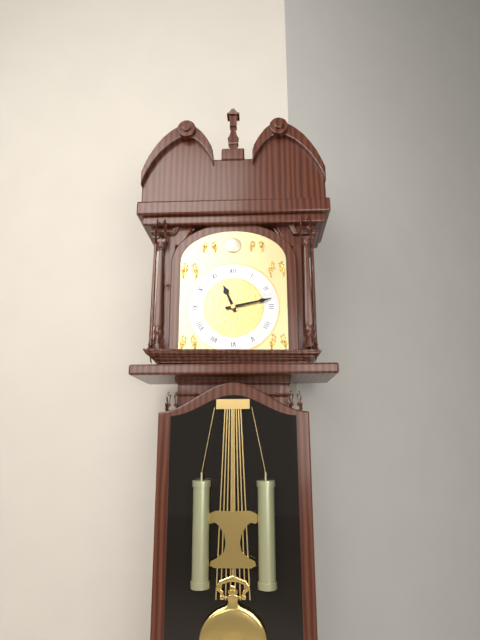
11:13
